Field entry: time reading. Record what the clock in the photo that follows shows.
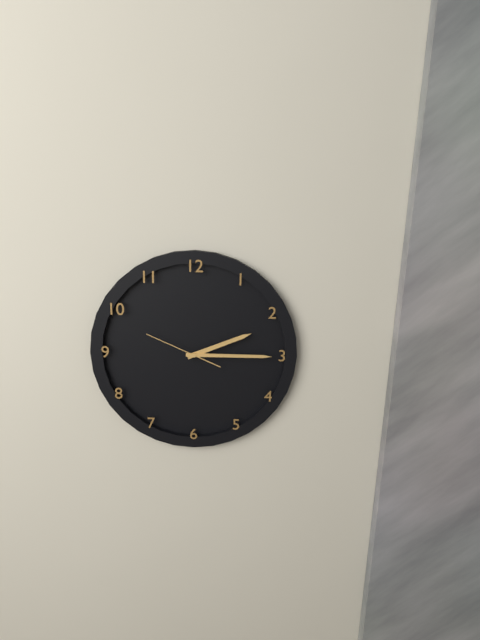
2:15:49
